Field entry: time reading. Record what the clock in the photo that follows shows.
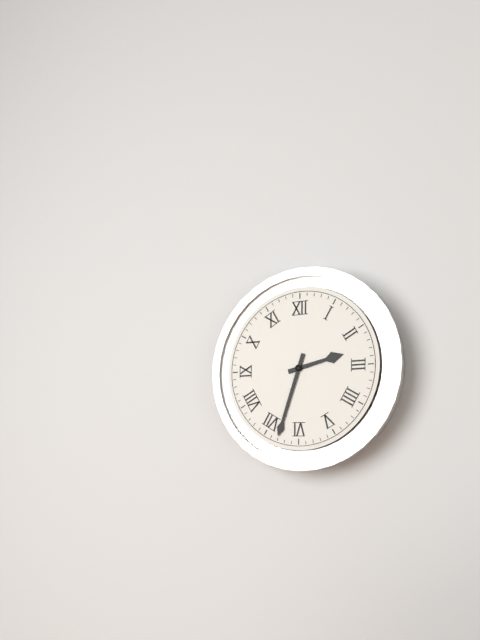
2:33
